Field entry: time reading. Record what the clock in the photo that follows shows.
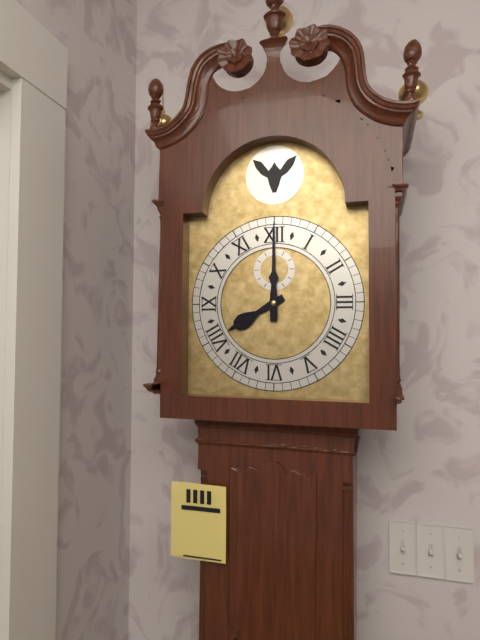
8:00
